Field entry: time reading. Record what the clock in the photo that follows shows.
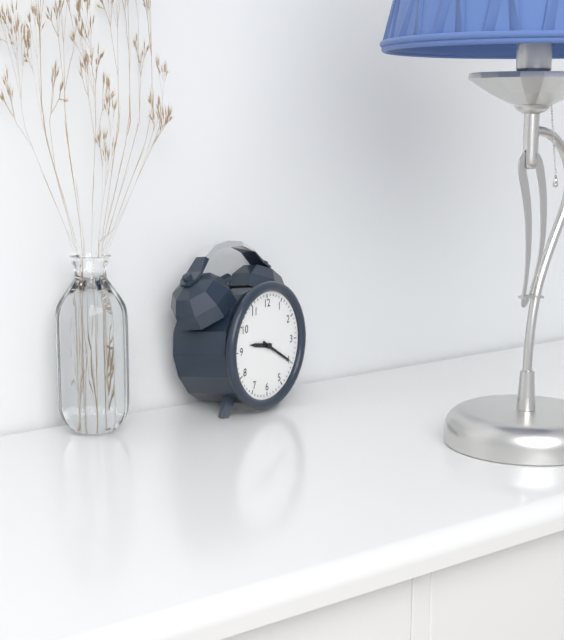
9:20
